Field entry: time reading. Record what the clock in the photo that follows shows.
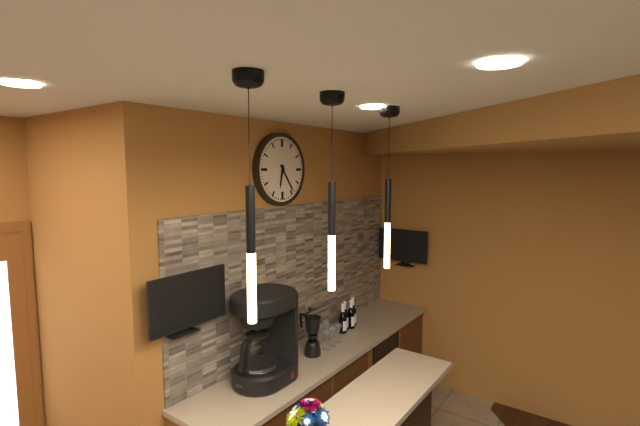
6:24
